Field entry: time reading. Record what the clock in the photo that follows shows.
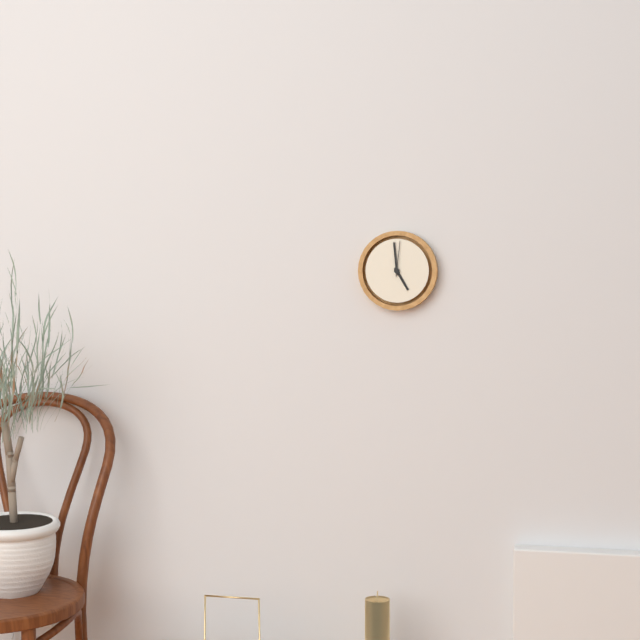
4:59
